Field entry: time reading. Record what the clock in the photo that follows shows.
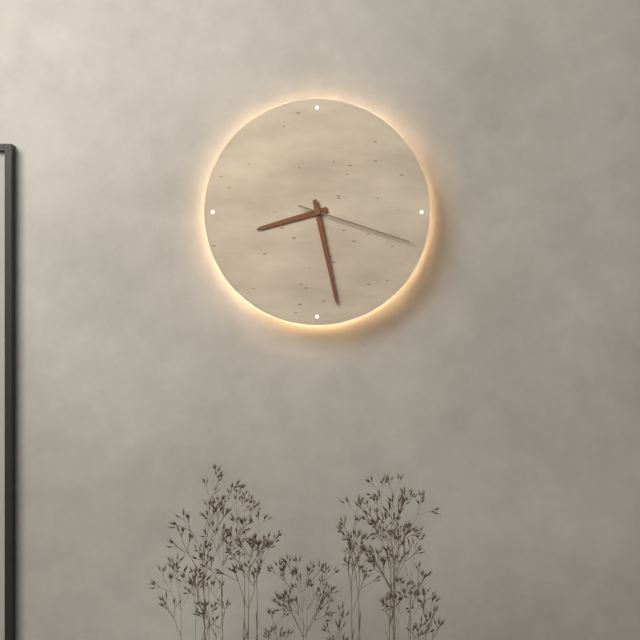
8:28:18
